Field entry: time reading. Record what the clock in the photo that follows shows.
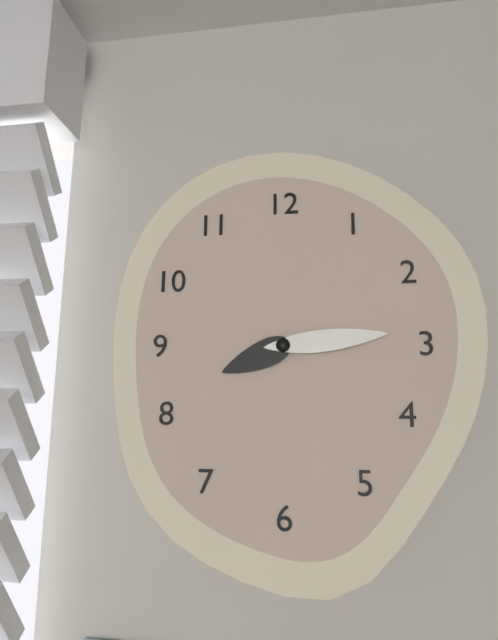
8:14
